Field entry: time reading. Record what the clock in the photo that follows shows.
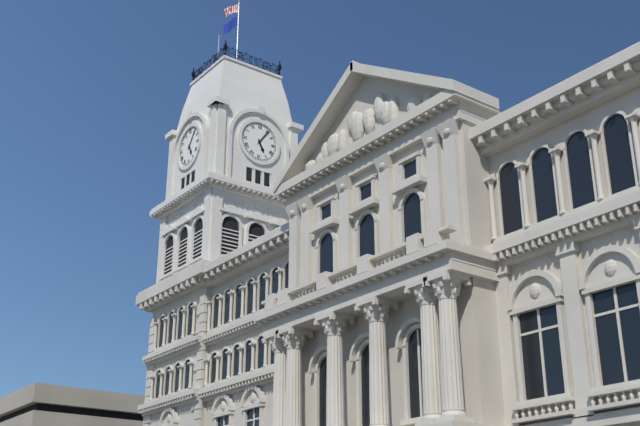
5:06
